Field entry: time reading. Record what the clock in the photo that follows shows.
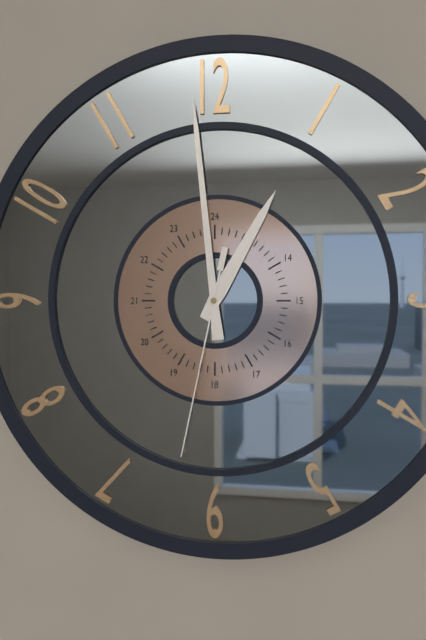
12:59:32
